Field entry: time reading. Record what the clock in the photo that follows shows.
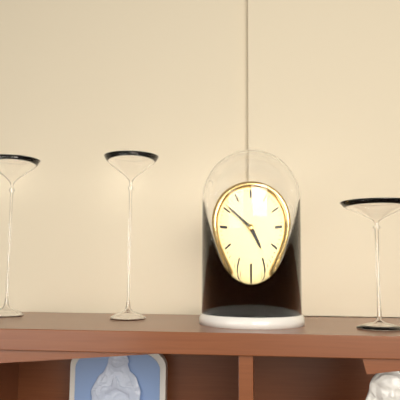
4:51
